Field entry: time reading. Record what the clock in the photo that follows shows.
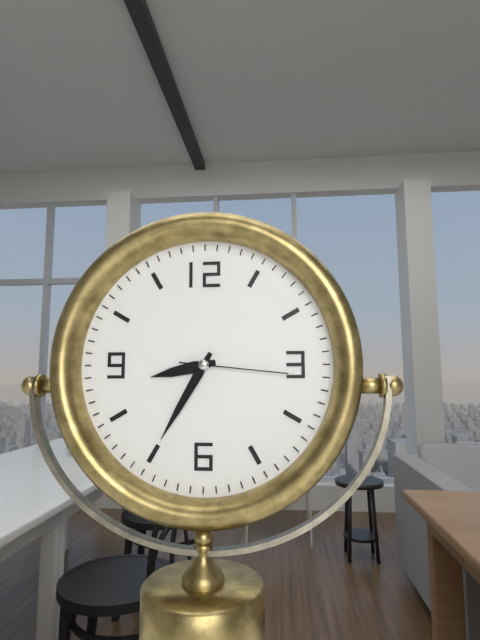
8:35:16
